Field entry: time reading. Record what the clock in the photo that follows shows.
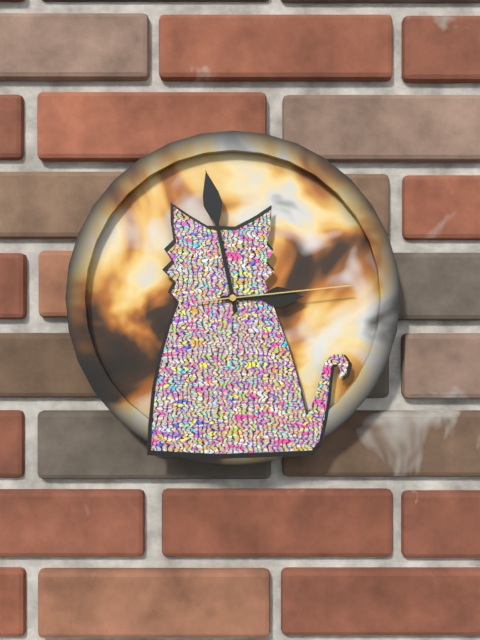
2:58:14
